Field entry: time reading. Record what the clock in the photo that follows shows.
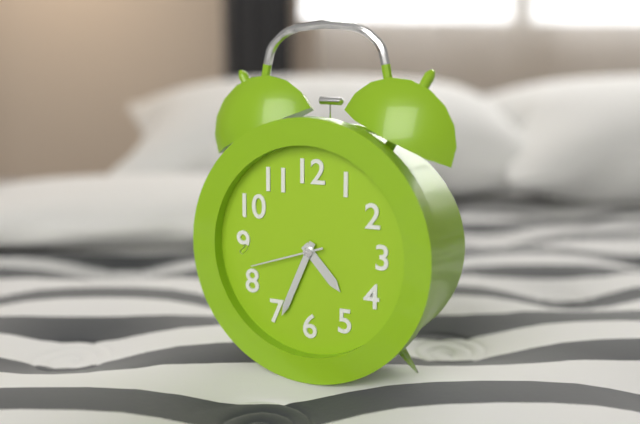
4:34:42
